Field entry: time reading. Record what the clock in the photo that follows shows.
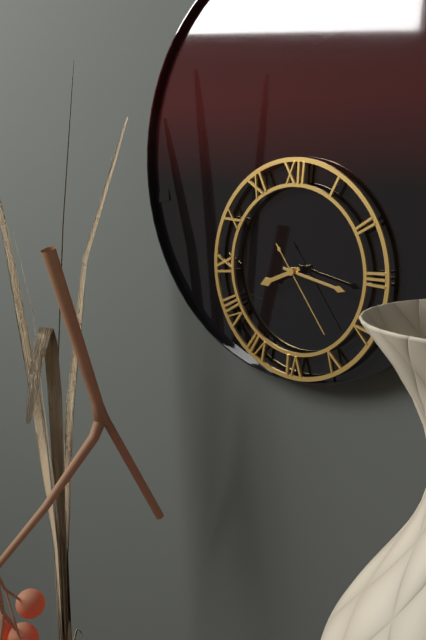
8:17:24
